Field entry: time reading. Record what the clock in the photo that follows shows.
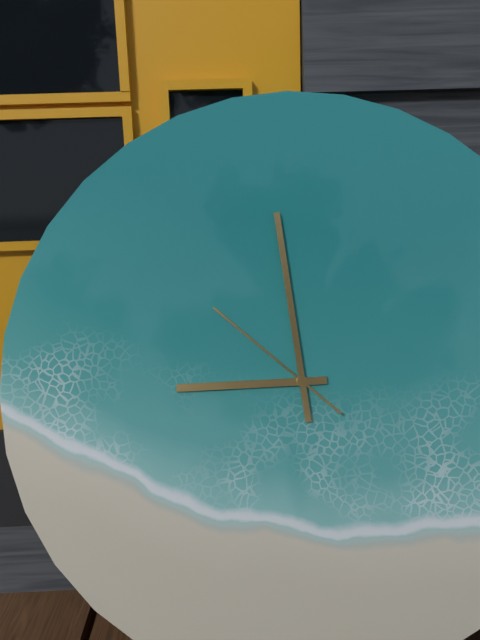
8:59:52
